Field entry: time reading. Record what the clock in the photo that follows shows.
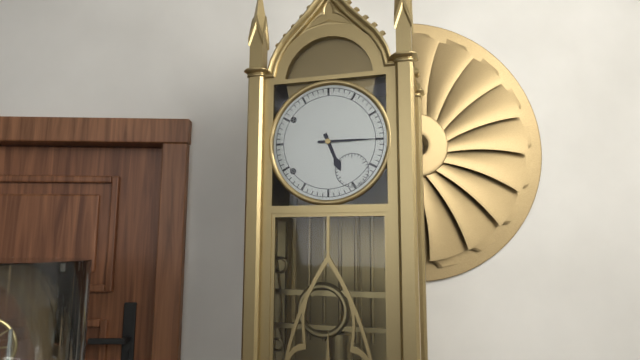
5:15
